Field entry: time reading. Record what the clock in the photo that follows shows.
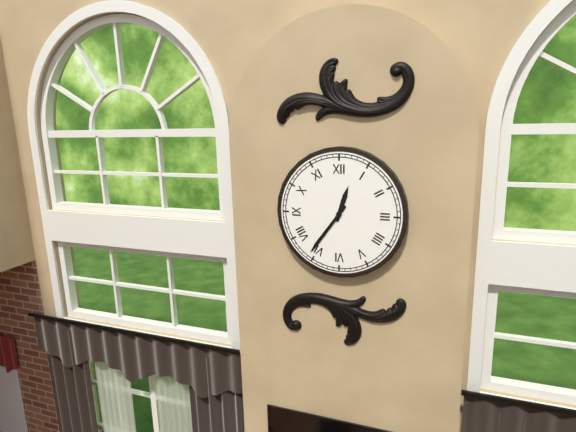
12:36
